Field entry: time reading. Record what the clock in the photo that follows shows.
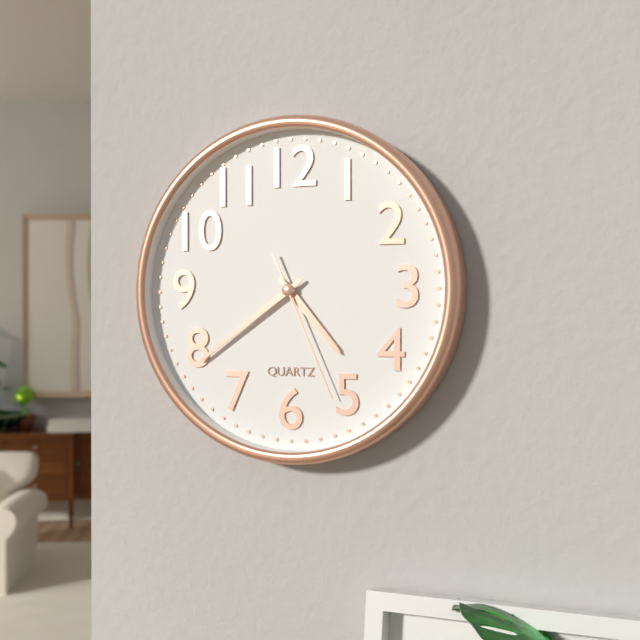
4:39:26
